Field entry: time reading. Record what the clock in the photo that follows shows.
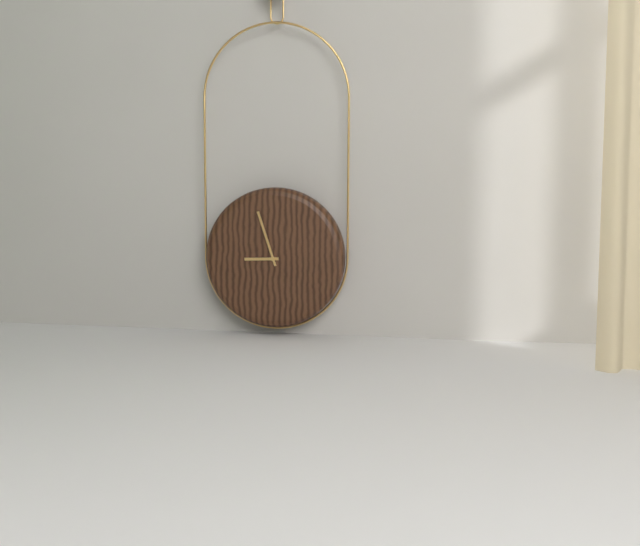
8:57
